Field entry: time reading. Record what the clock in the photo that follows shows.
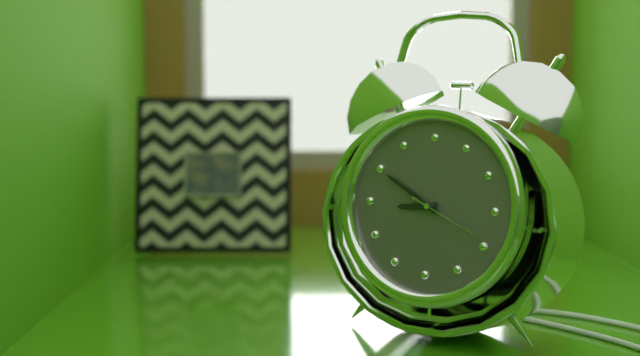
8:50:19
